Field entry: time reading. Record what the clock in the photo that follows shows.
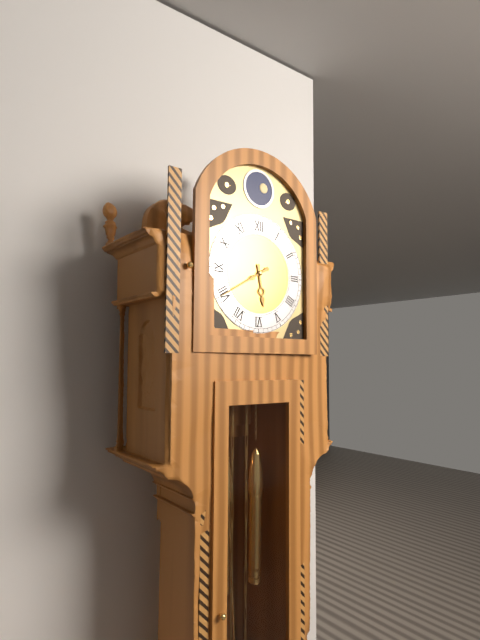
5:40
